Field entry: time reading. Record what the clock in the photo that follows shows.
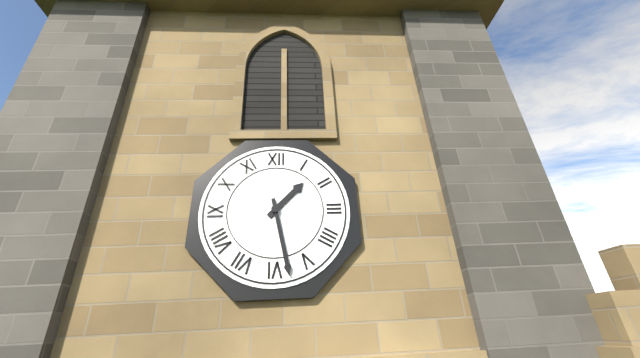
1:28
